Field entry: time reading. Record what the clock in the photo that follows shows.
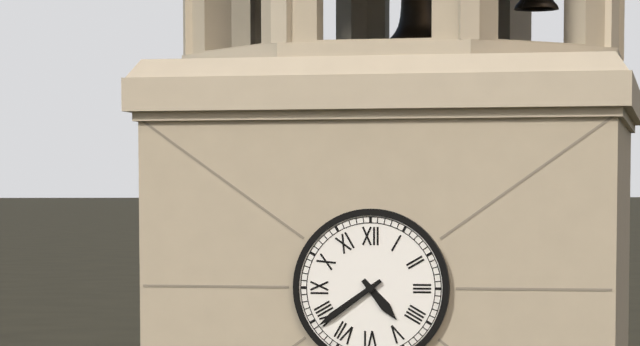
4:39
